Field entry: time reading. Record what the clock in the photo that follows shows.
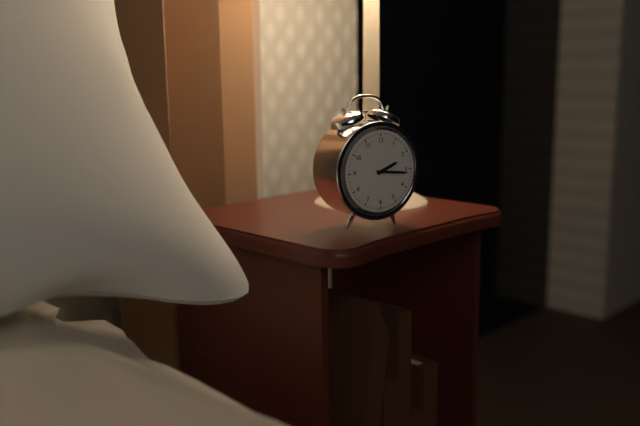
2:16
